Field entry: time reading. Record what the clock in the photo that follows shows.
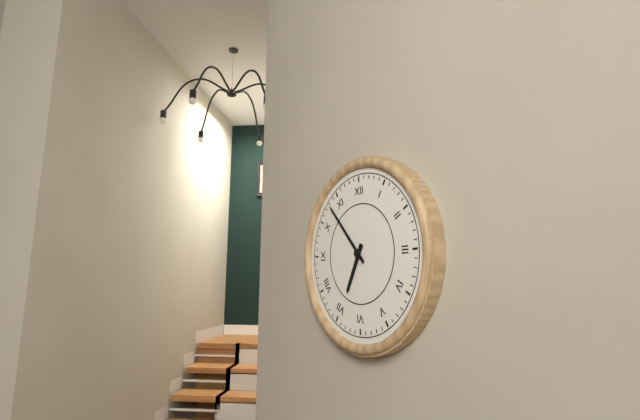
6:53
